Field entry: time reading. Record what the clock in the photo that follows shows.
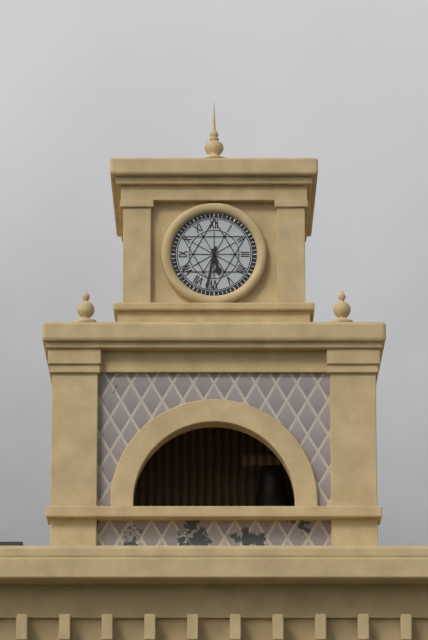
5:32
